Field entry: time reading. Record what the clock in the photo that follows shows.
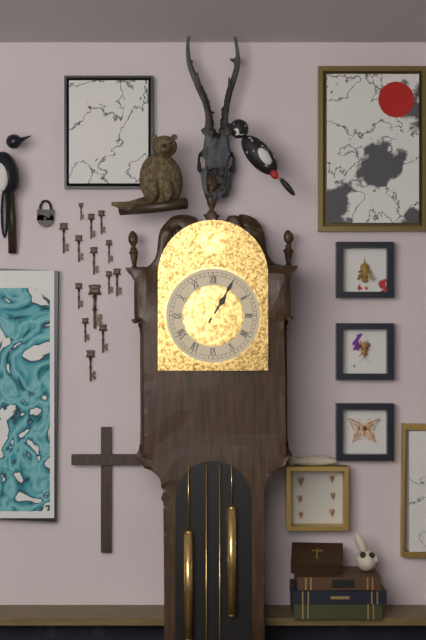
1:05
